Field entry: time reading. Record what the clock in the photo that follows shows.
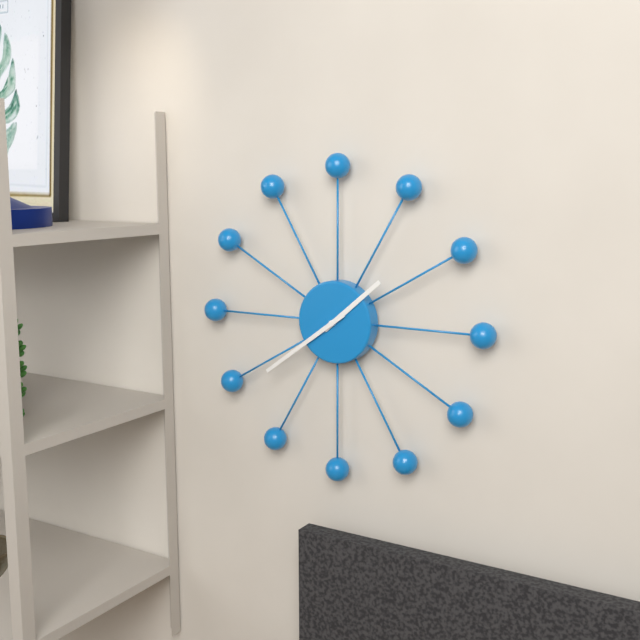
1:39
